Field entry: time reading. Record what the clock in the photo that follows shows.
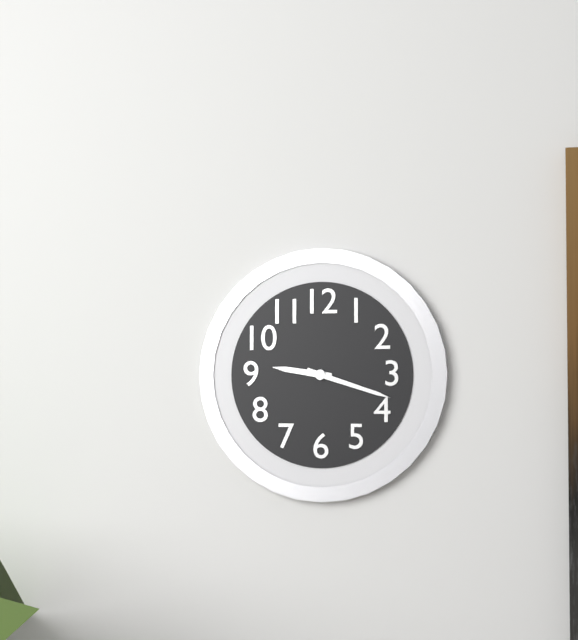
9:18
